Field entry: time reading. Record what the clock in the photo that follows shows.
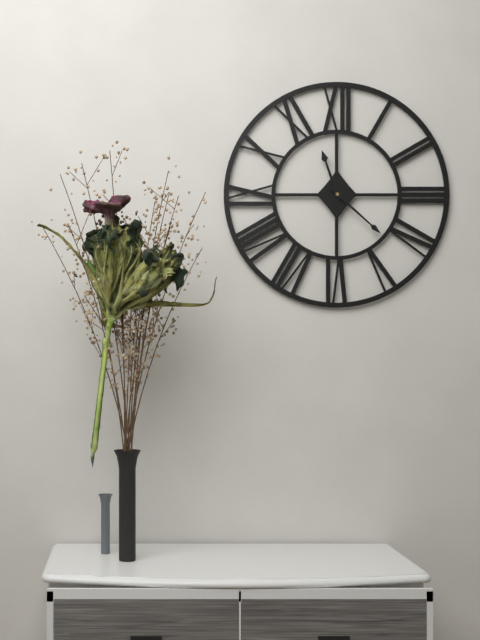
11:22
